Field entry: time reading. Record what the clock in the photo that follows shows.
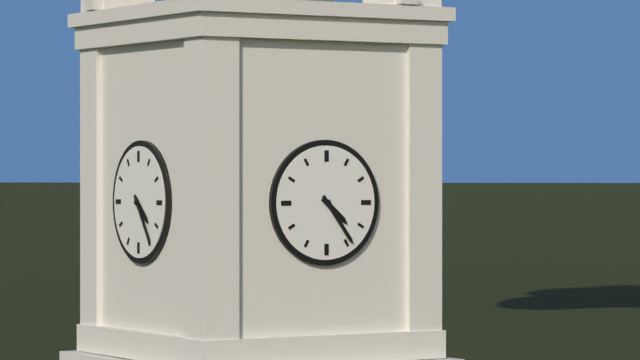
4:24
